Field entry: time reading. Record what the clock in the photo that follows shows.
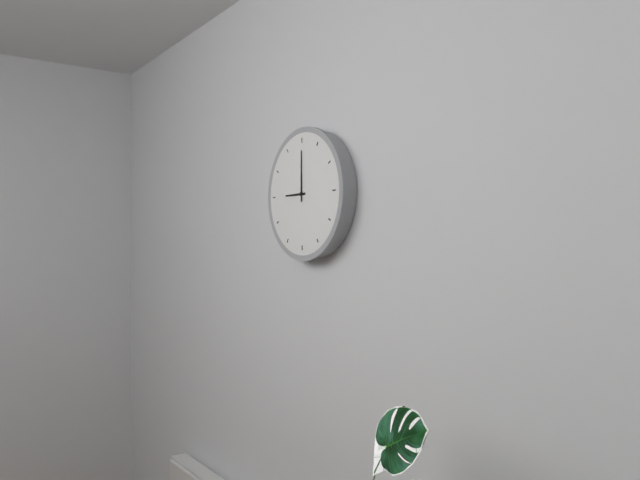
9:00
